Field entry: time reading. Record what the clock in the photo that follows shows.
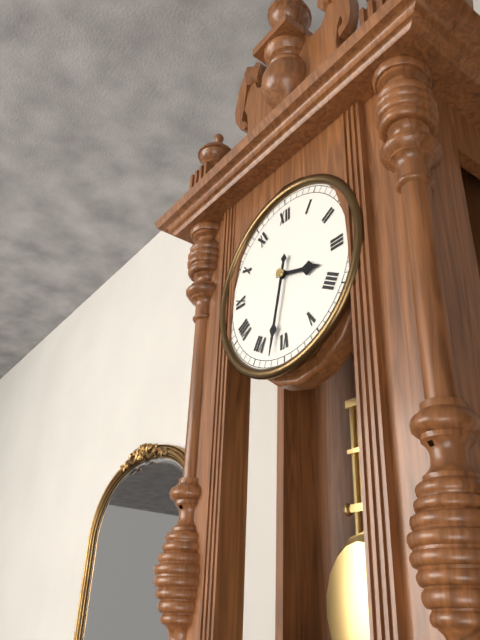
3:32
